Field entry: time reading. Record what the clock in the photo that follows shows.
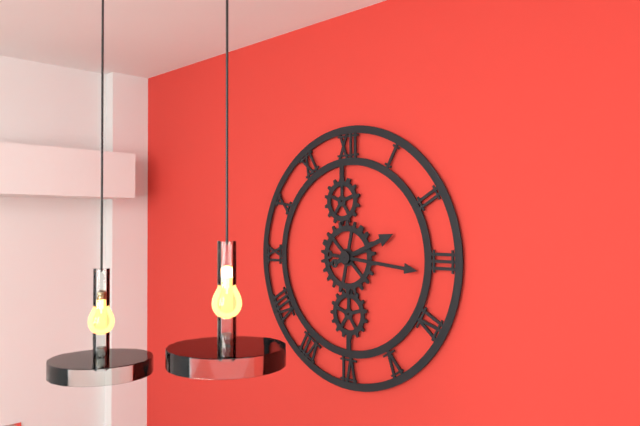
2:16
